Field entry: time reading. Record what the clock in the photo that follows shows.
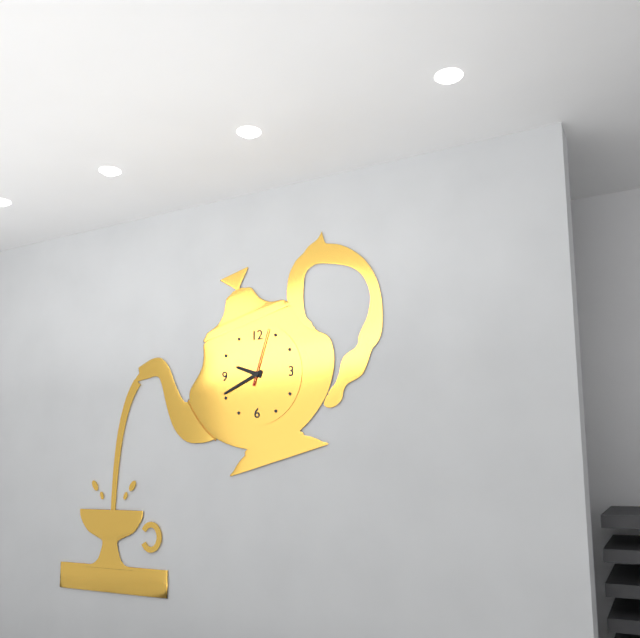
9:41:03
